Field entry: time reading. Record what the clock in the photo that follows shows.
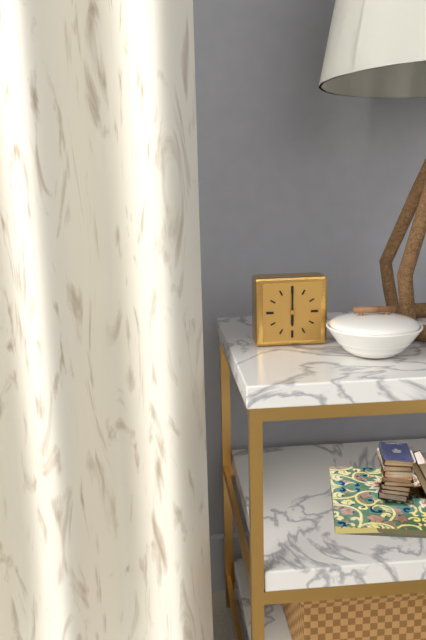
6:00
